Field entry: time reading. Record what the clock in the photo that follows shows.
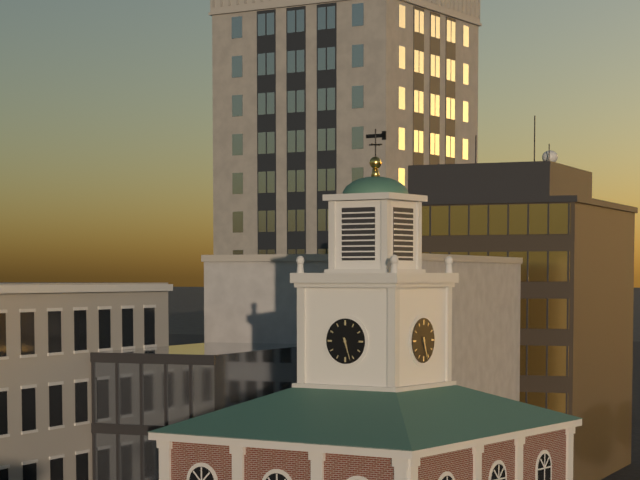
5:27
